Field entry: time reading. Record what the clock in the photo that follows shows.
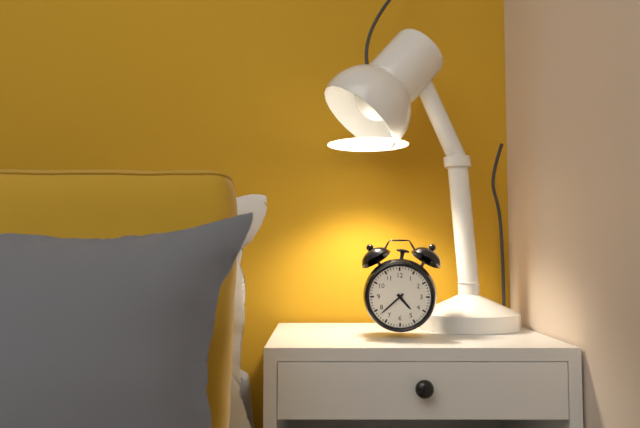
4:38
